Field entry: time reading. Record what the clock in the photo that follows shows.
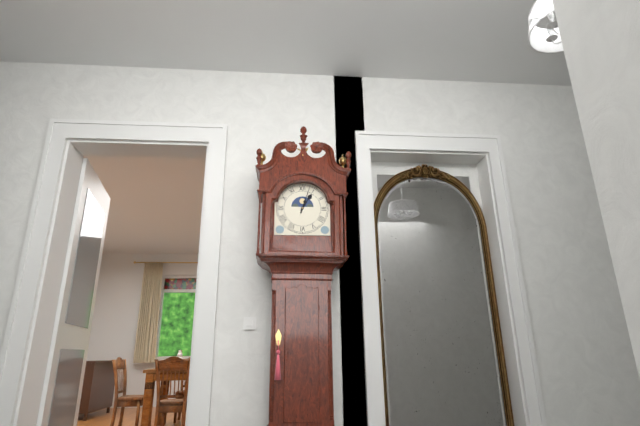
1:03
